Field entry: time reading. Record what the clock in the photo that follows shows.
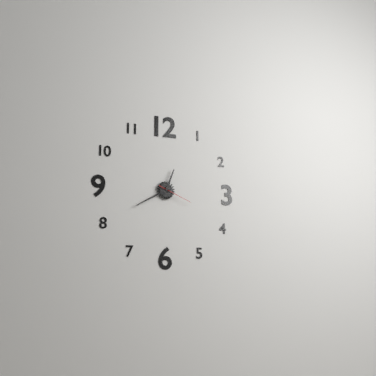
12:40
